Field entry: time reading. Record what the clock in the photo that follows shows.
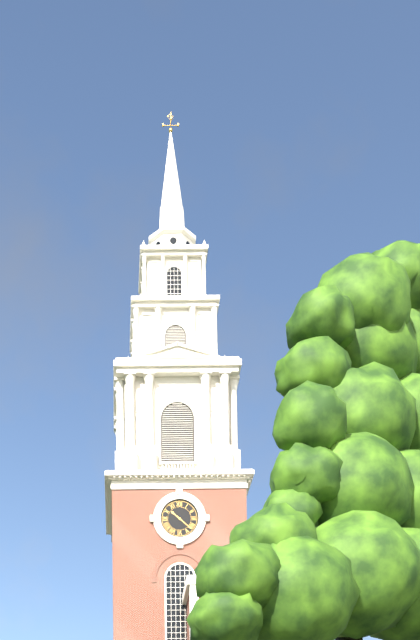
10:22
